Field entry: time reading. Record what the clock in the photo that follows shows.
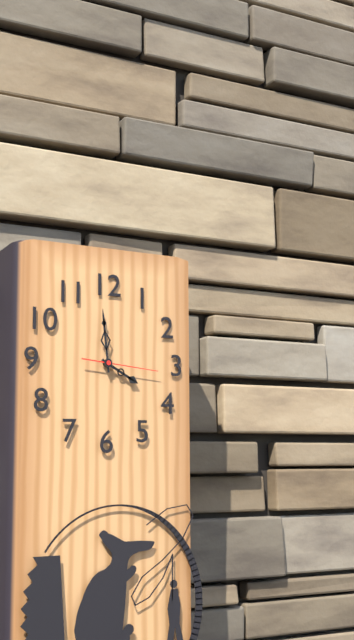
3:59:16
